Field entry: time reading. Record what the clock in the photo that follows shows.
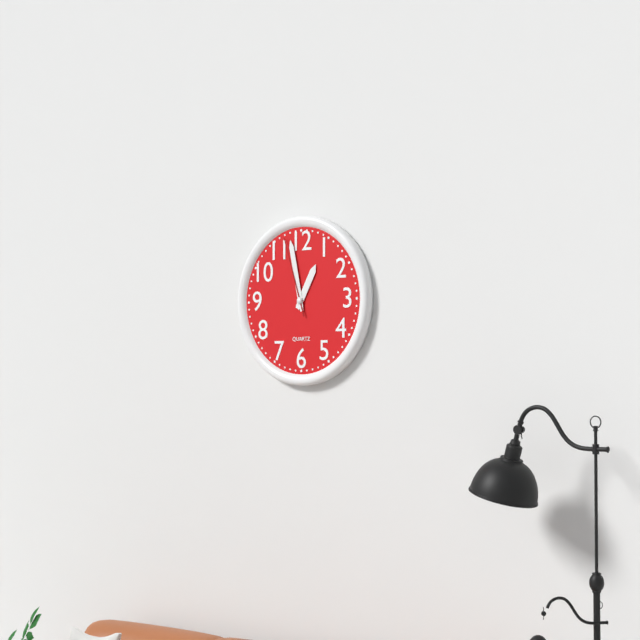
12:58:57
